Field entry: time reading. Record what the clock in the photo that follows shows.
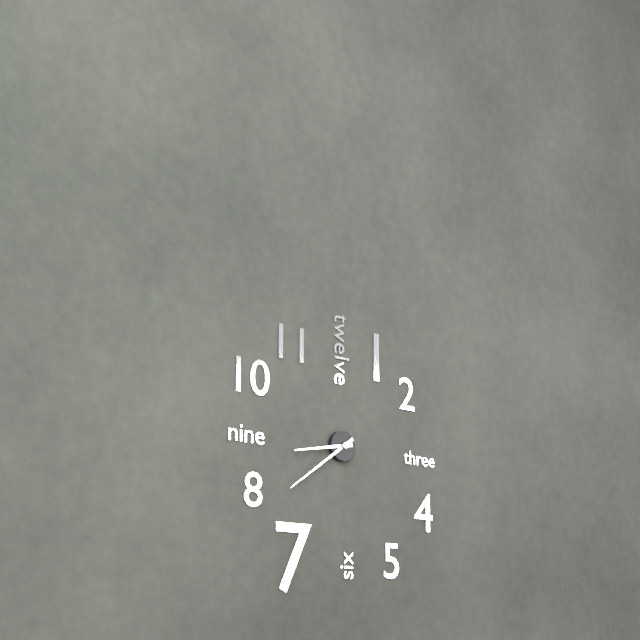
8:39
